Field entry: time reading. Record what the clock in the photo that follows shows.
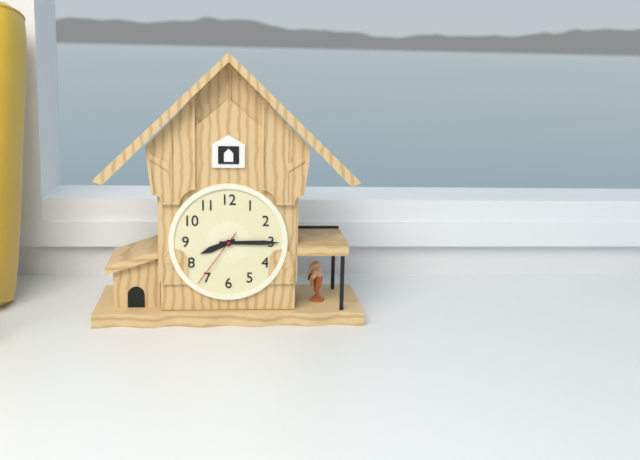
8:15:36
